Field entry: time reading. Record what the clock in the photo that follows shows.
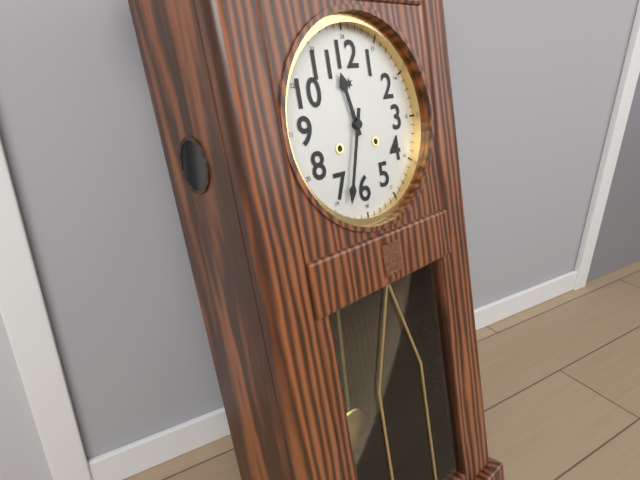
11:33
